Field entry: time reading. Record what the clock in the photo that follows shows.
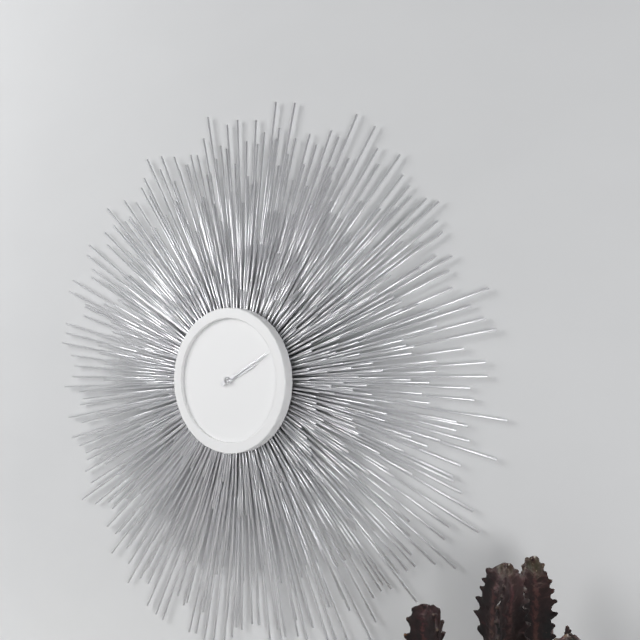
2:10
